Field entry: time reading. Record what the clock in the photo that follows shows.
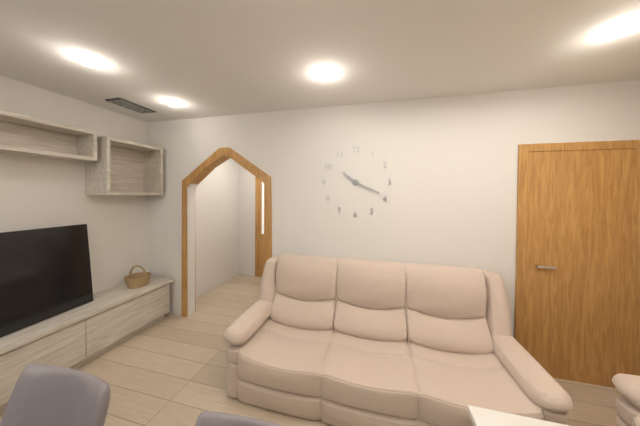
10:19
